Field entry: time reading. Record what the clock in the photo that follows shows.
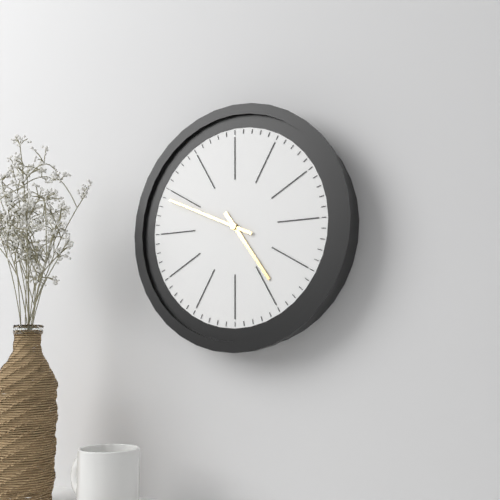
4:49
